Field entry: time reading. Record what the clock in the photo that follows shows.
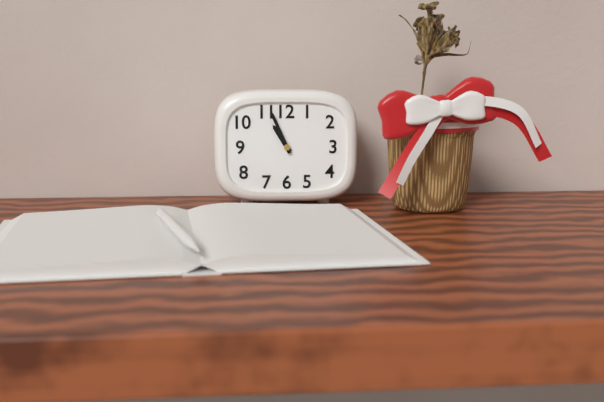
10:56
